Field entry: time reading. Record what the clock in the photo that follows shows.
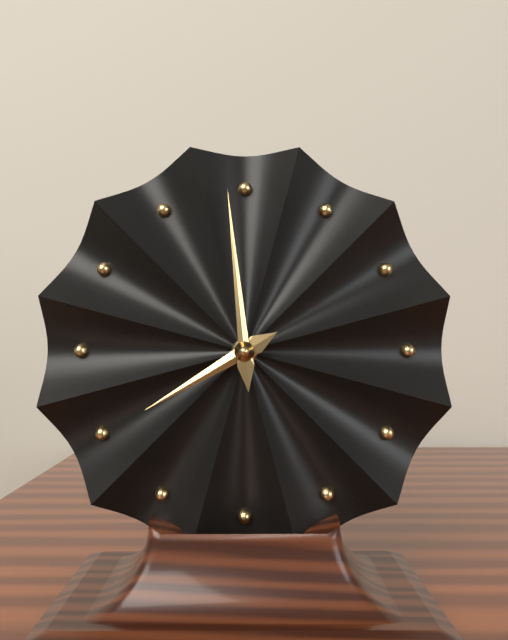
7:59
